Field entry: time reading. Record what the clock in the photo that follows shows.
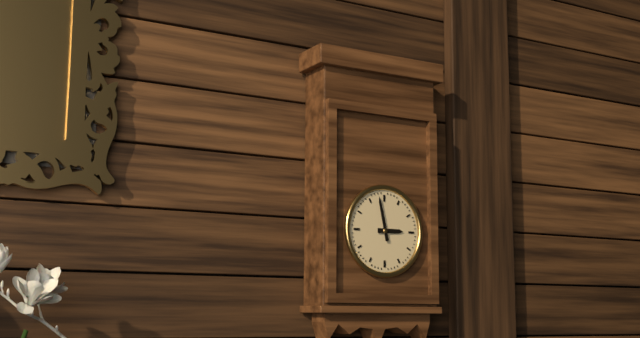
2:58
